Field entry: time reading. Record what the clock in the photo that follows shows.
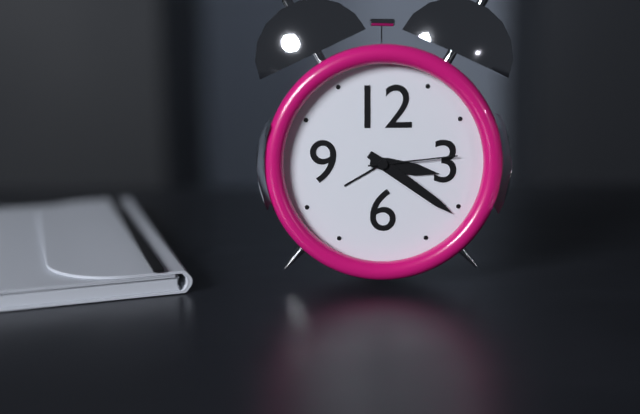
3:21:14
